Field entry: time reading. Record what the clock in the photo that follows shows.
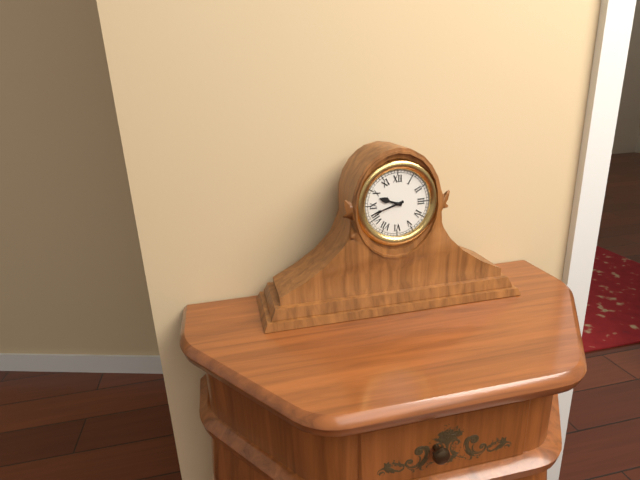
9:42
